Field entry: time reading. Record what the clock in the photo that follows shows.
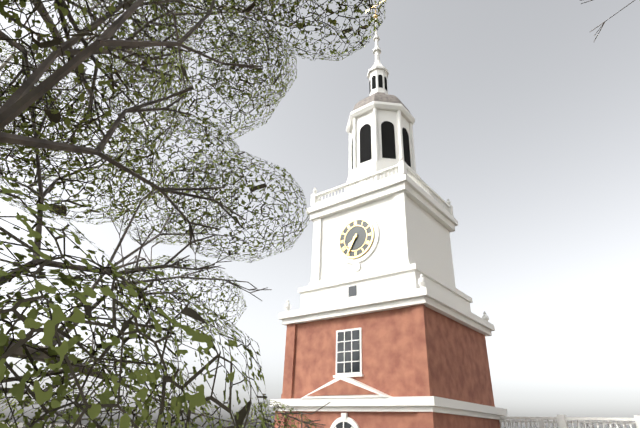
7:35
